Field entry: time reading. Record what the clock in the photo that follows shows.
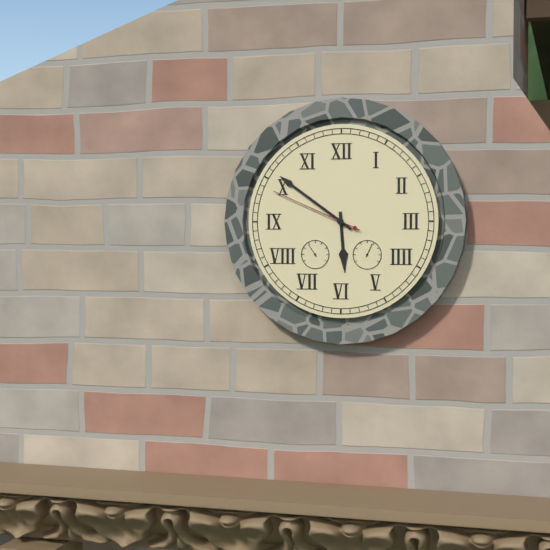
5:51:49
